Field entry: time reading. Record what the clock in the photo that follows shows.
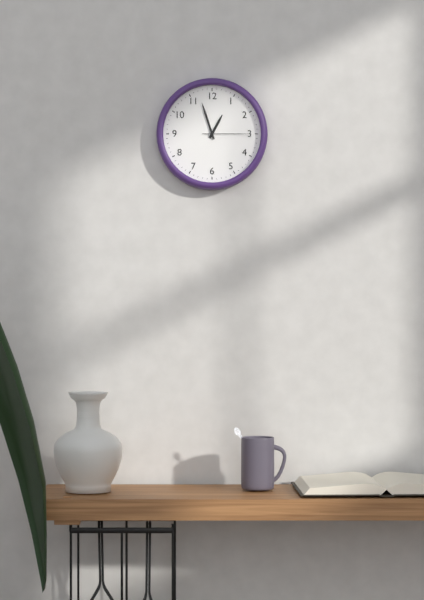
12:57
